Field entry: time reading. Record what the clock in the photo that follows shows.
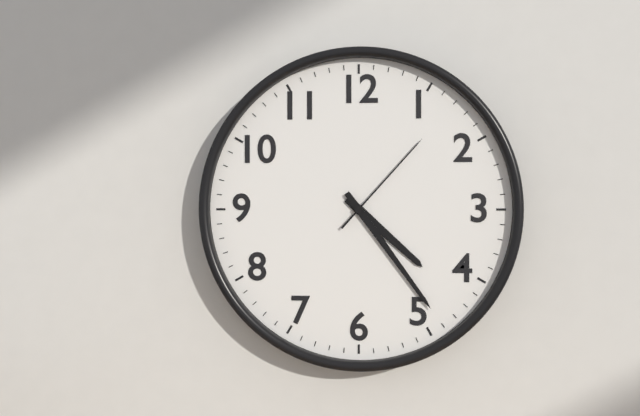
4:24:07
